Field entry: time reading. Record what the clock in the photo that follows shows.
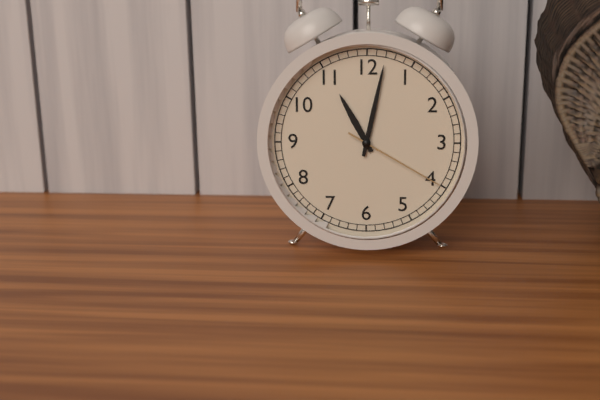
11:02:20
